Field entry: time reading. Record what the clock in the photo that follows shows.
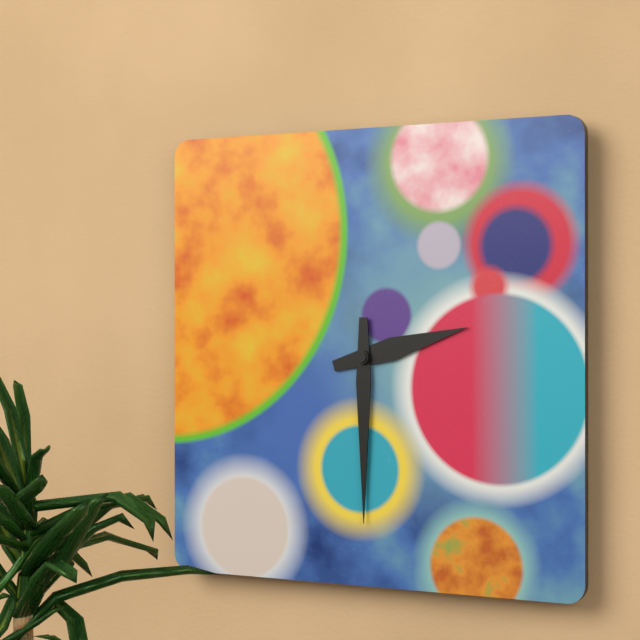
2:30
